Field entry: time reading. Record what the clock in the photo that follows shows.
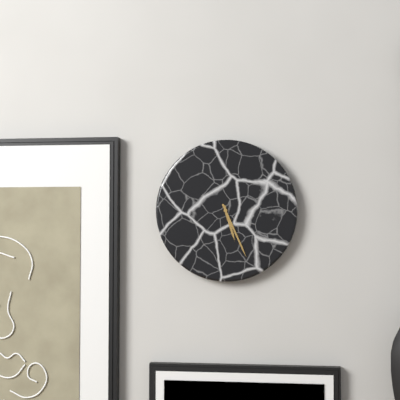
5:26
